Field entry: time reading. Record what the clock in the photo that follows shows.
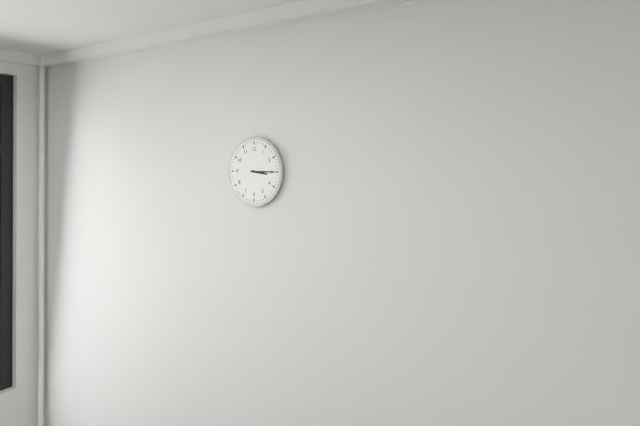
3:15
